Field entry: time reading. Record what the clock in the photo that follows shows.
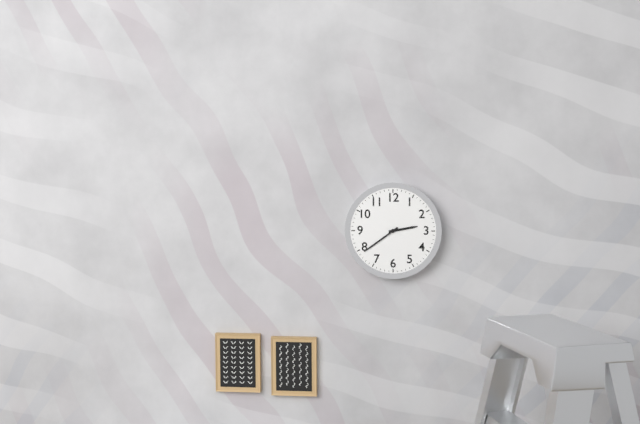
2:39
